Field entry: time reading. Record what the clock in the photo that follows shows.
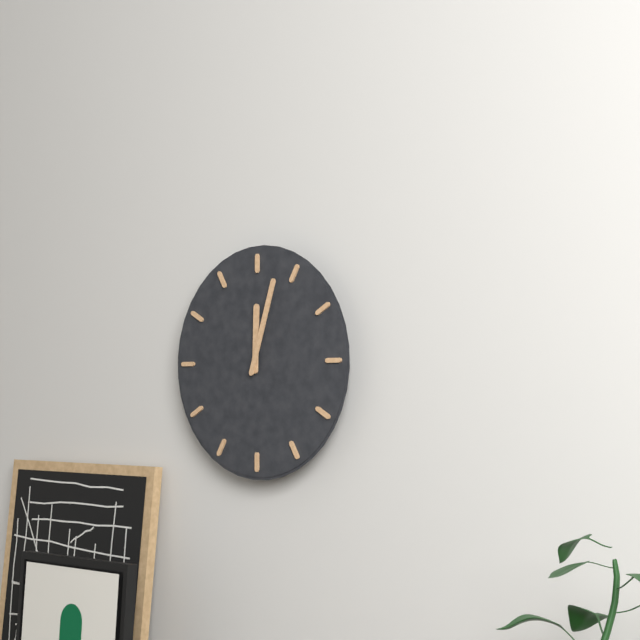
12:03
